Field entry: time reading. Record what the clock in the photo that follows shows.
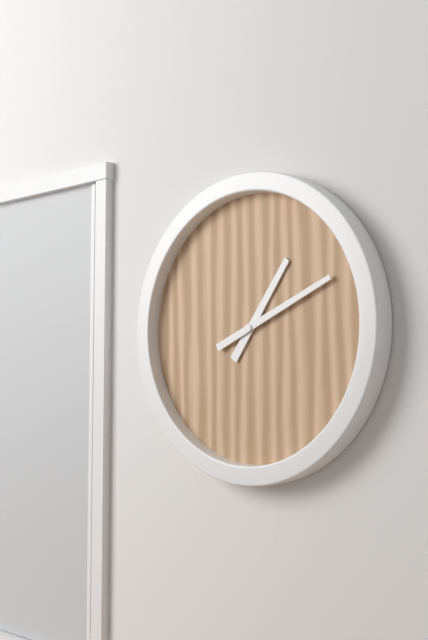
1:11
